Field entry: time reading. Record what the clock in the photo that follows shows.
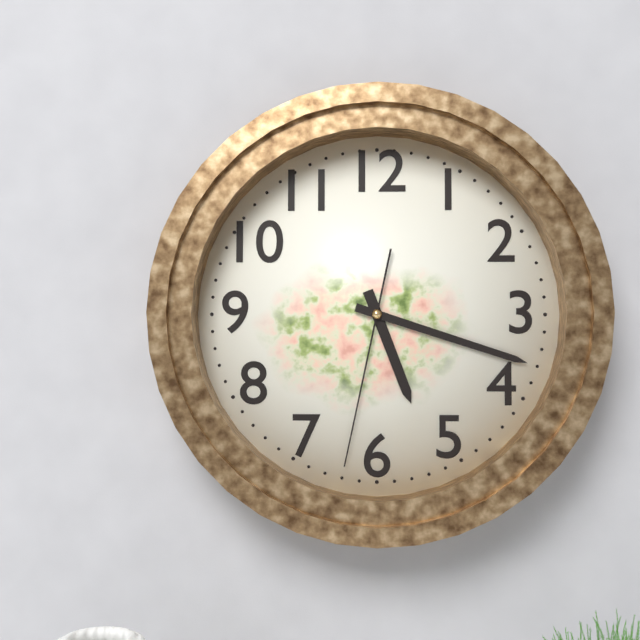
5:18:32
